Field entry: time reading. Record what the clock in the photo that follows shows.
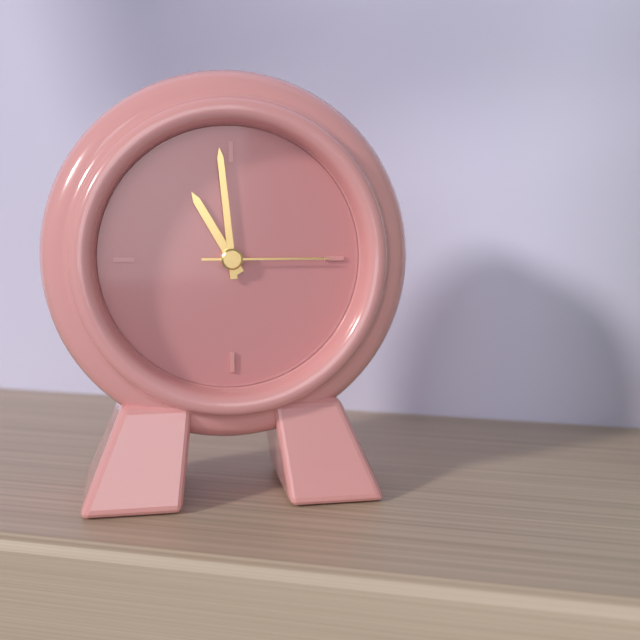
10:59:15
